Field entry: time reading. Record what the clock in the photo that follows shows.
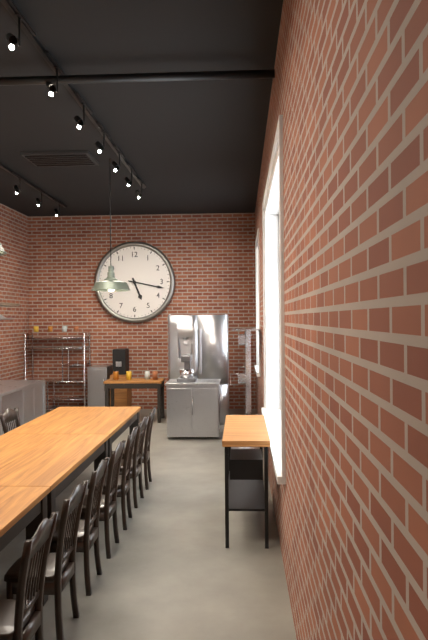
5:17
